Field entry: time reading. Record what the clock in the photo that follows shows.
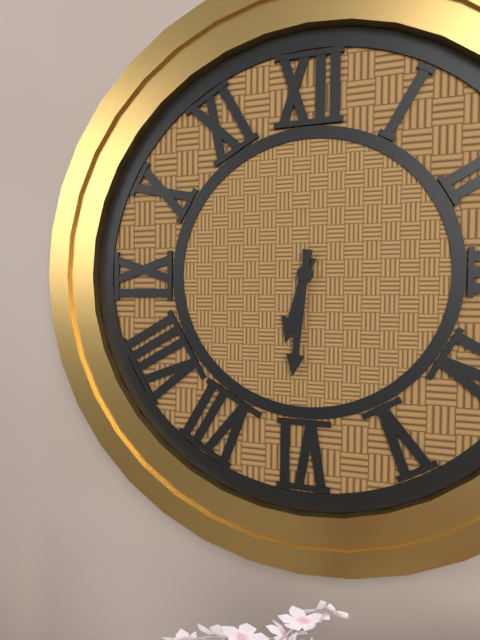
6:31
